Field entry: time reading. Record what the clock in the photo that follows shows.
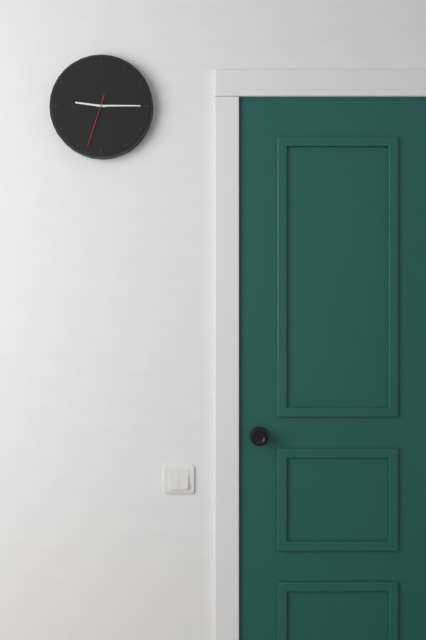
9:15:33
